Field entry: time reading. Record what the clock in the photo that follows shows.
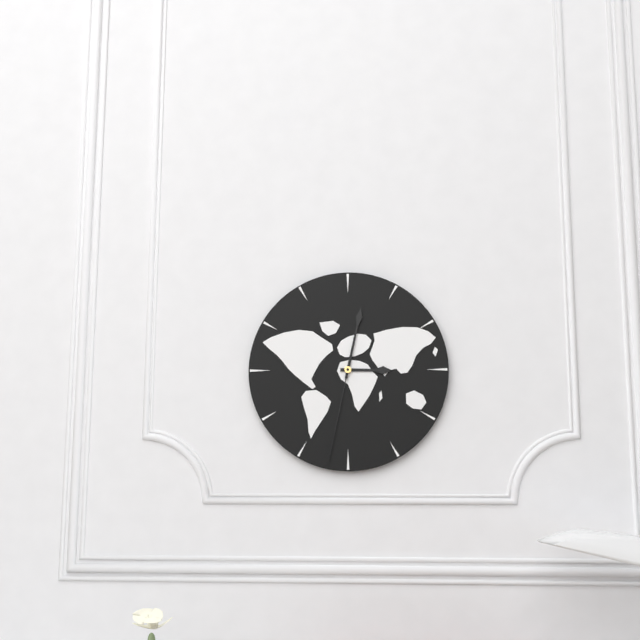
3:02:32
